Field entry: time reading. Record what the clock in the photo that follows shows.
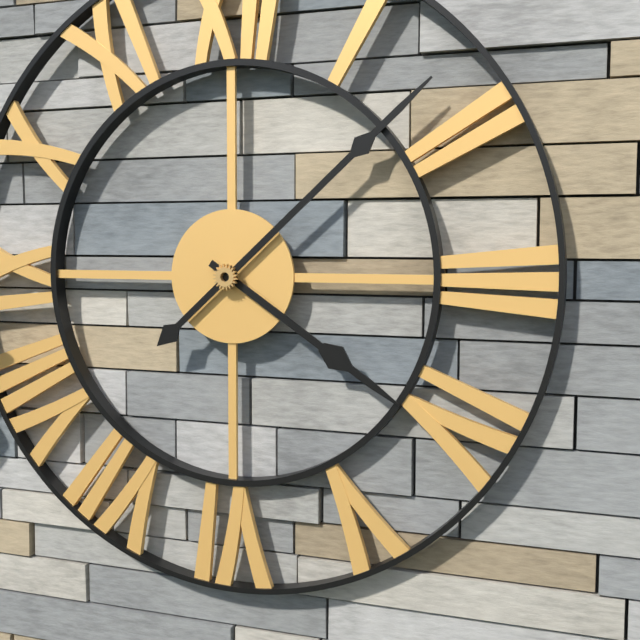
4:08
